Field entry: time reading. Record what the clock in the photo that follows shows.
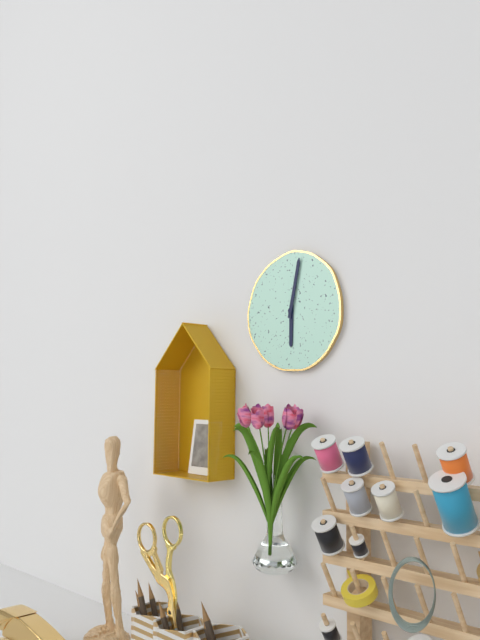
6:02
